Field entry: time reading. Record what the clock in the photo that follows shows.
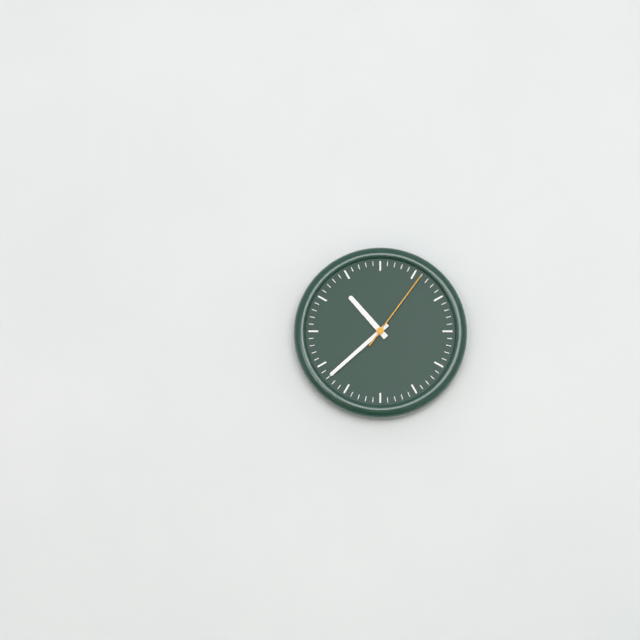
10:38:06
